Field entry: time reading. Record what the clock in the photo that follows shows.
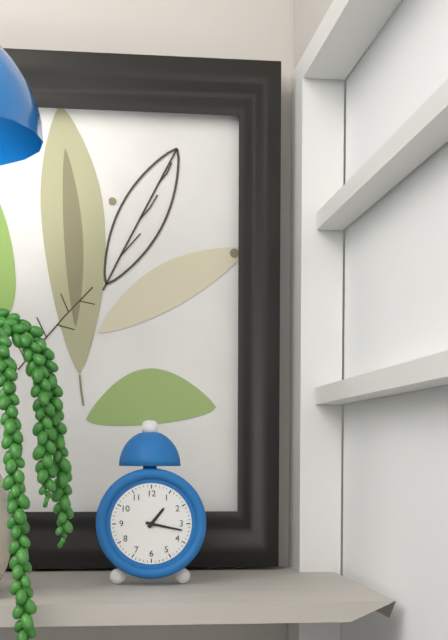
1:17
